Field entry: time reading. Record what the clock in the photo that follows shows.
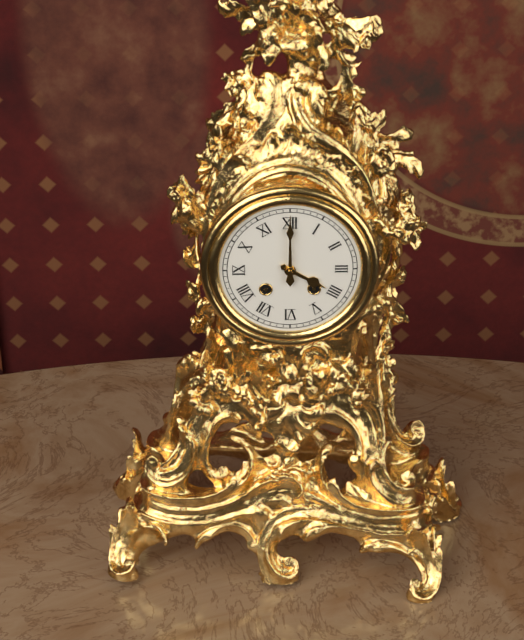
4:00
